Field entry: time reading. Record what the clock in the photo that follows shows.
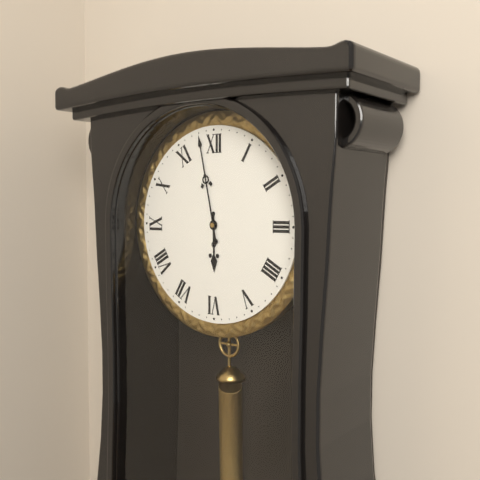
5:58
